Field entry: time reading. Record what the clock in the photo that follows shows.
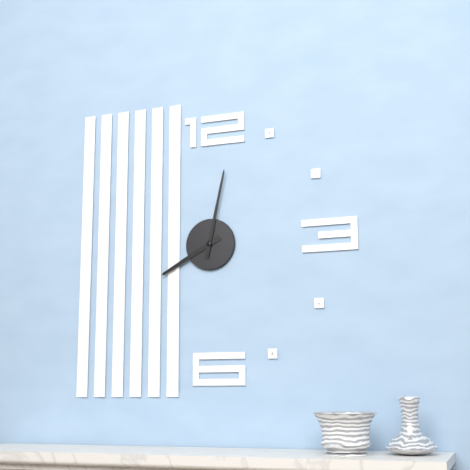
8:02
